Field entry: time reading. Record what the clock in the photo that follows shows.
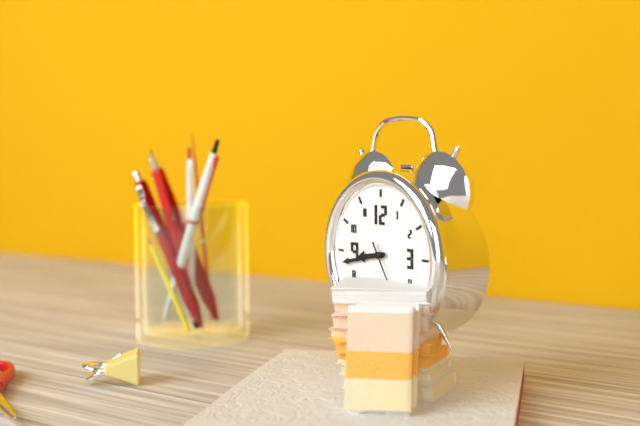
8:43
